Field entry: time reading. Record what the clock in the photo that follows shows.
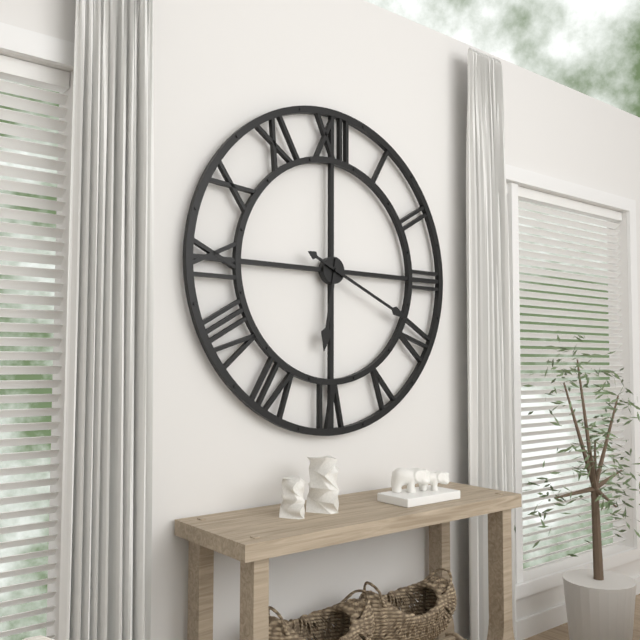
6:19
